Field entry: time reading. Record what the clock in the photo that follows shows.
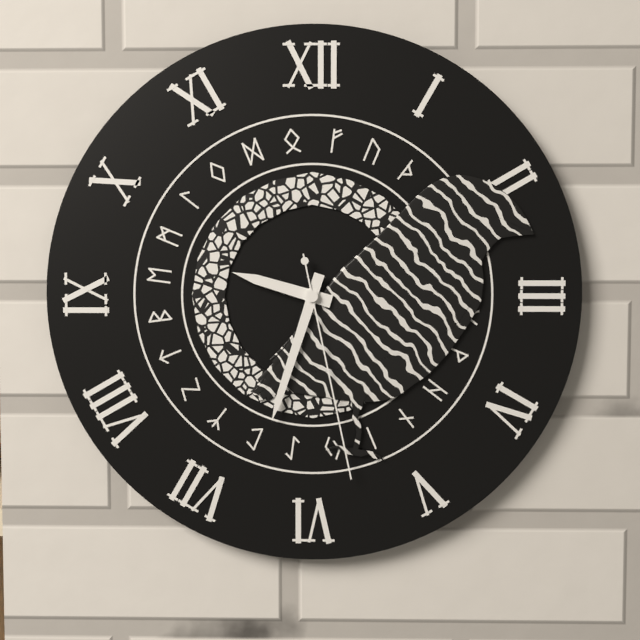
9:33:28
